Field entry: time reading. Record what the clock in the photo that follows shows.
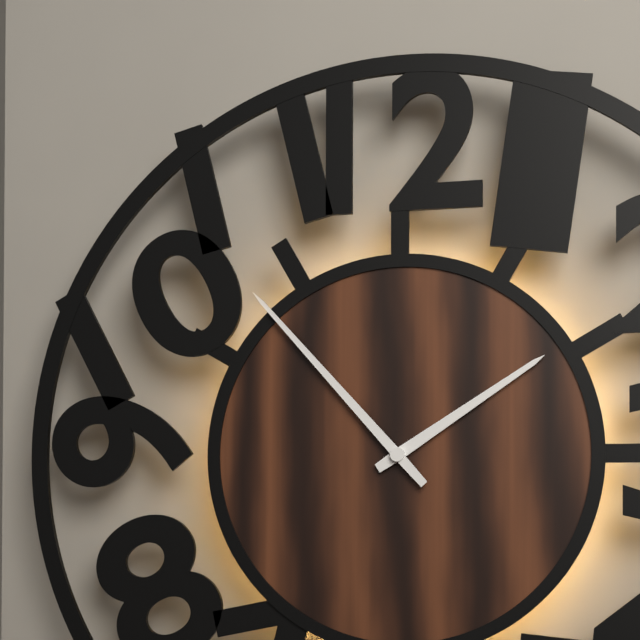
1:53
